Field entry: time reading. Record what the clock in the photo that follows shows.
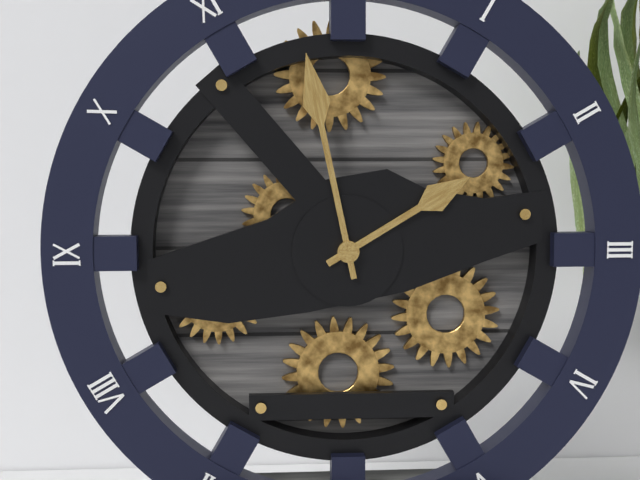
1:58
